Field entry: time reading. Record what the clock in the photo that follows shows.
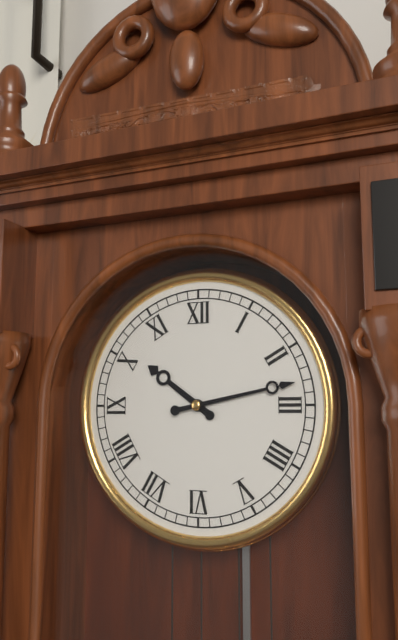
10:13
